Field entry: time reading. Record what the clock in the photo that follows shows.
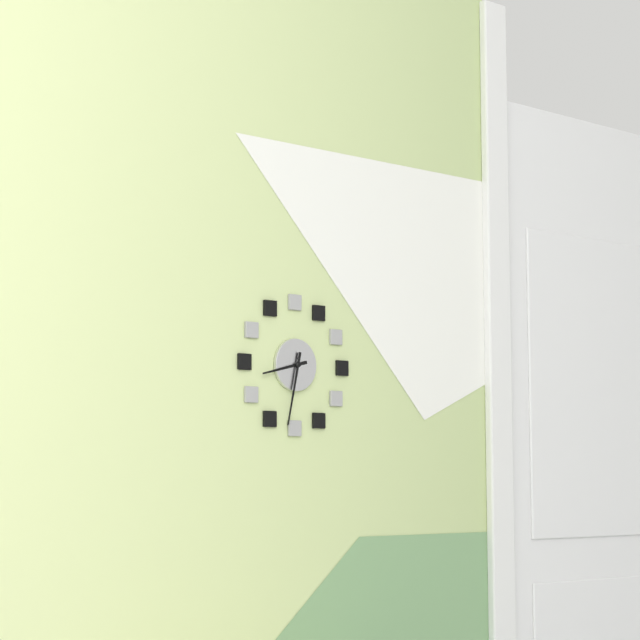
8:32
